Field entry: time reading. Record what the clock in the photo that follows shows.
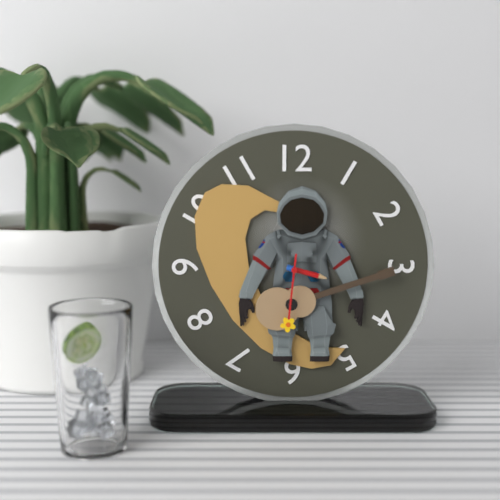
3:31
